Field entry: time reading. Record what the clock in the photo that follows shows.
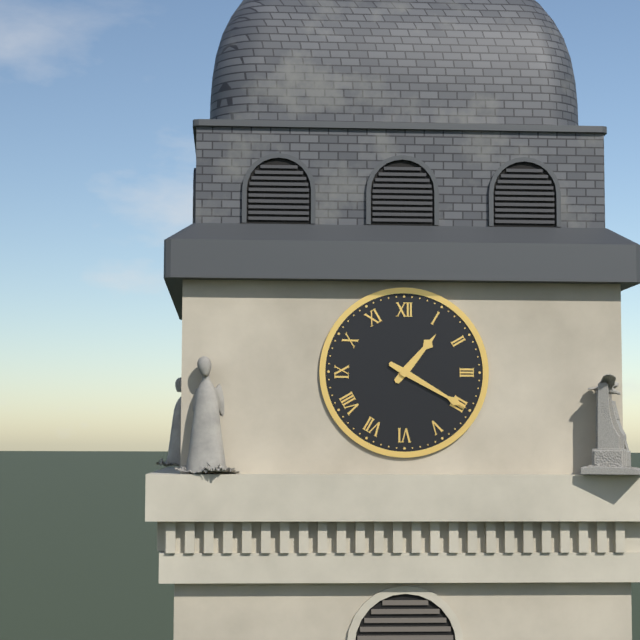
1:20
